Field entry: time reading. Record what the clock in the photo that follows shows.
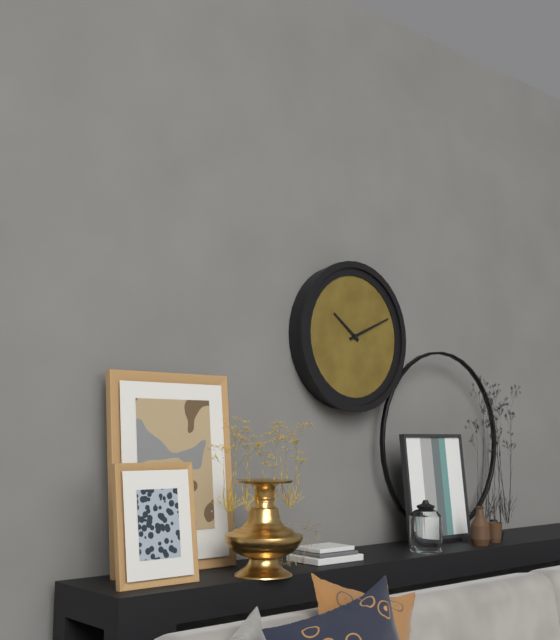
10:11
